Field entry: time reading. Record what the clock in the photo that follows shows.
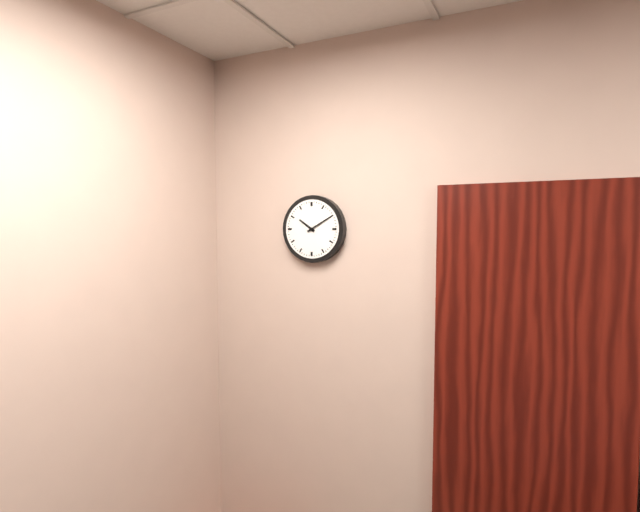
10:10
